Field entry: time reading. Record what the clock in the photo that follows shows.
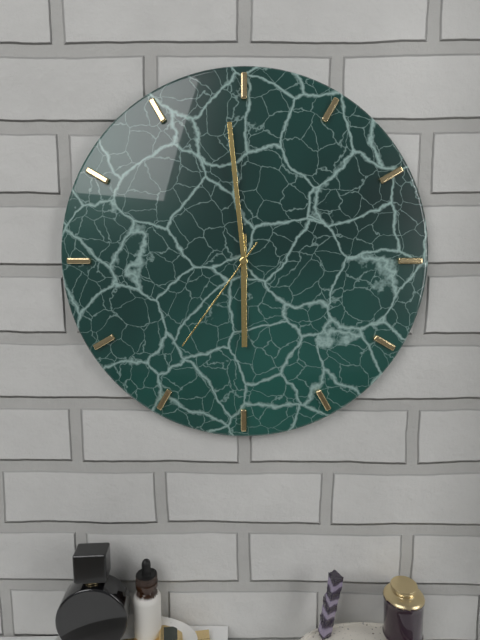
5:59:36
